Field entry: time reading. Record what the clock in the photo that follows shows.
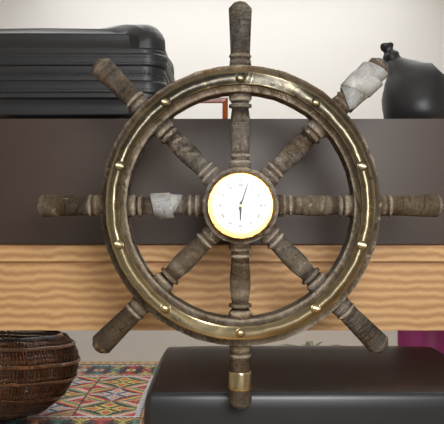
6:03
